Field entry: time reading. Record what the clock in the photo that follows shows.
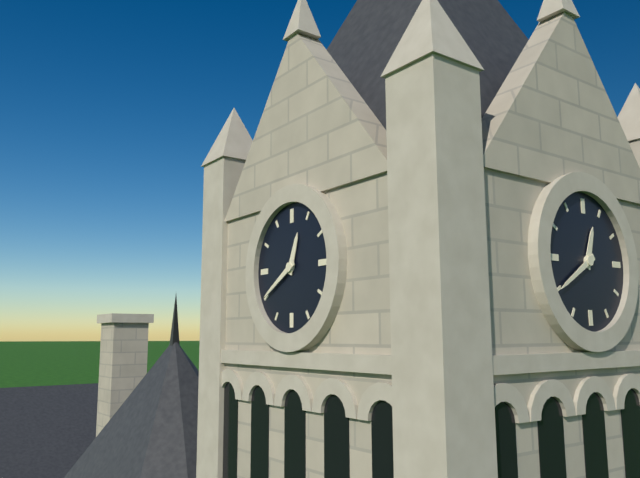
12:40
